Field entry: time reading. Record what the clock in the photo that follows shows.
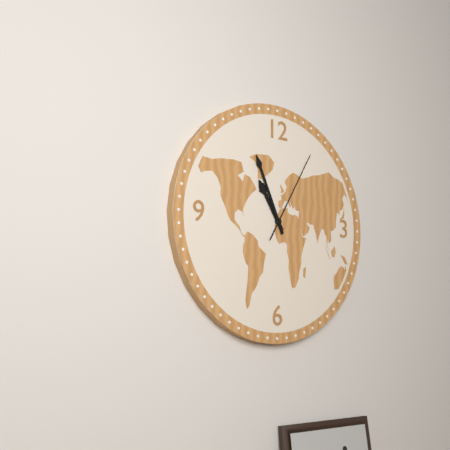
10:56:05
